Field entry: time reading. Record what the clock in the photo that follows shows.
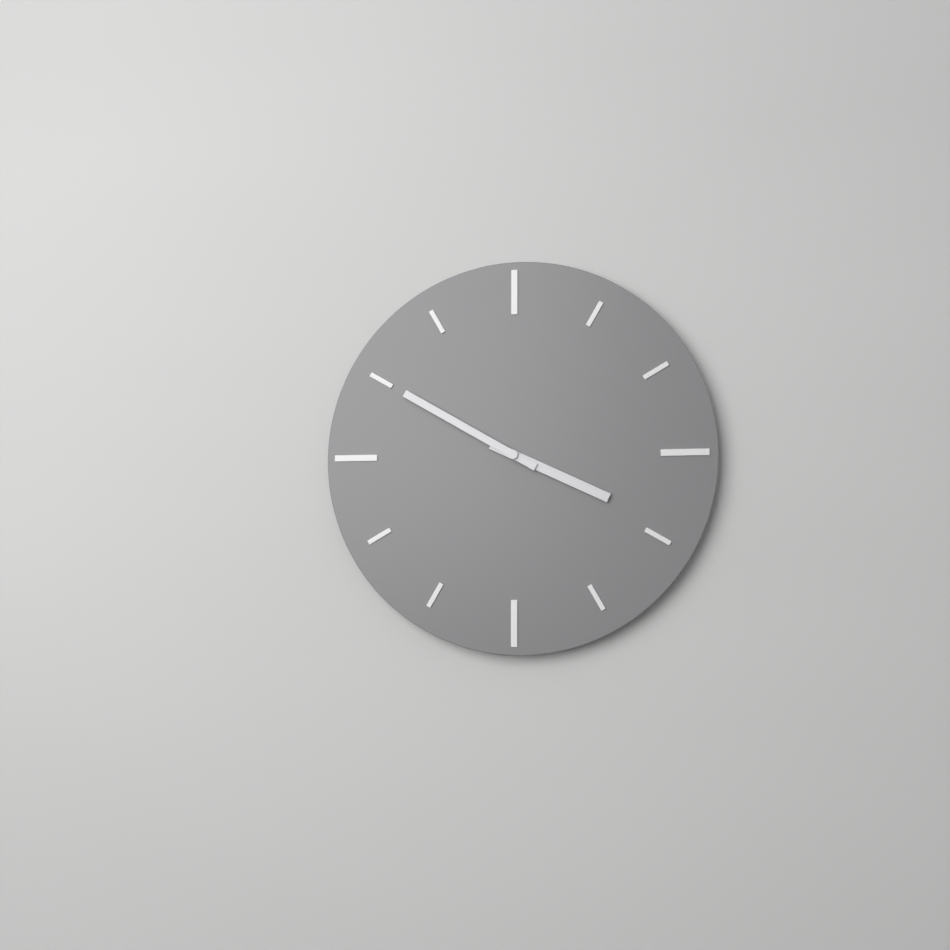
3:50
